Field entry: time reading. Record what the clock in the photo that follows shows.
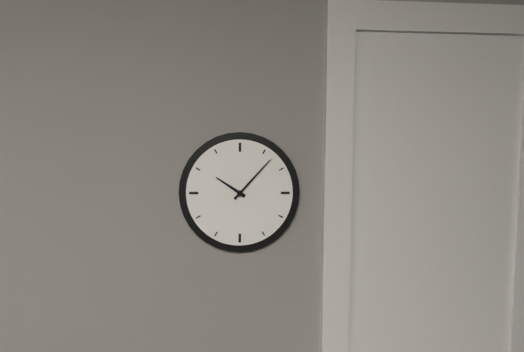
10:07
